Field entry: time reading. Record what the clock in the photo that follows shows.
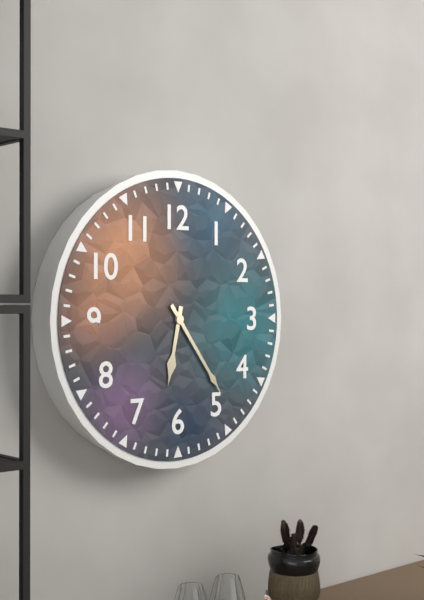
6:24
